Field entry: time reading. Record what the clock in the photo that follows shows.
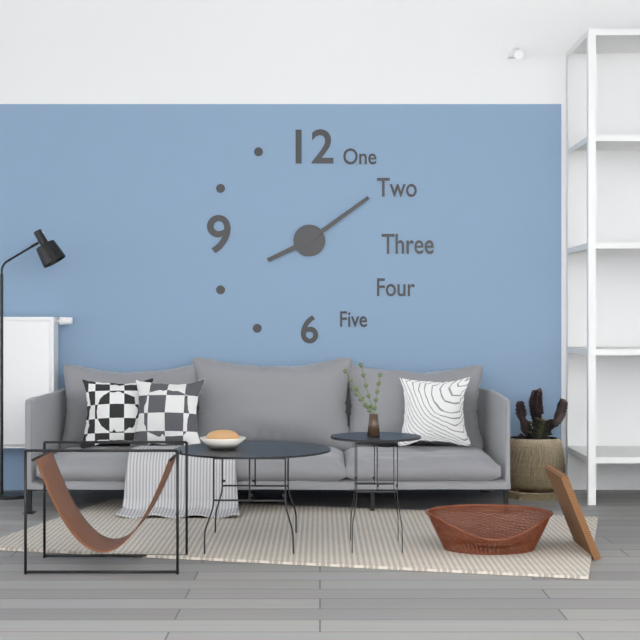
8:09
